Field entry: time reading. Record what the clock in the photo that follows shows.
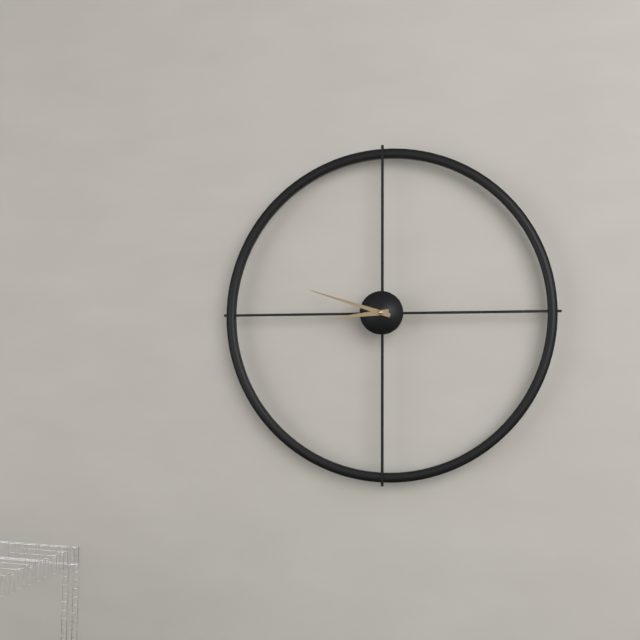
8:48
